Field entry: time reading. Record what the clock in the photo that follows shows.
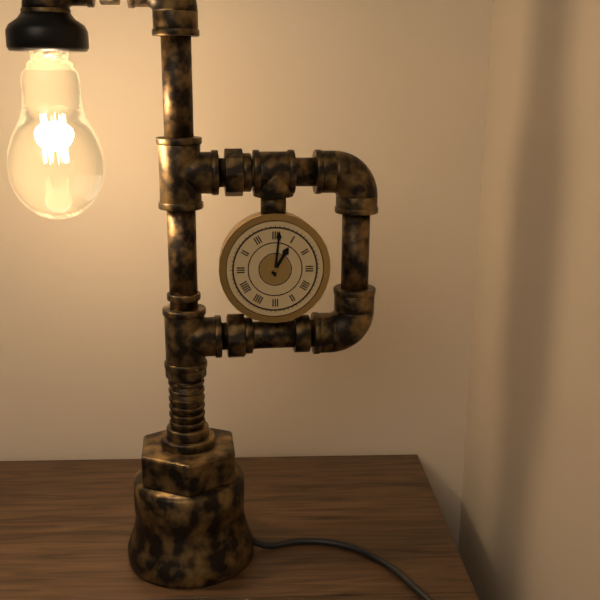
1:01
